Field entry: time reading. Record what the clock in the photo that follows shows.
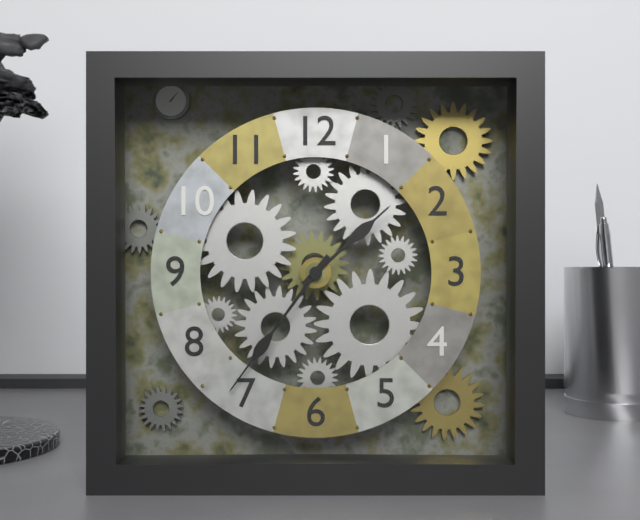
1:36
